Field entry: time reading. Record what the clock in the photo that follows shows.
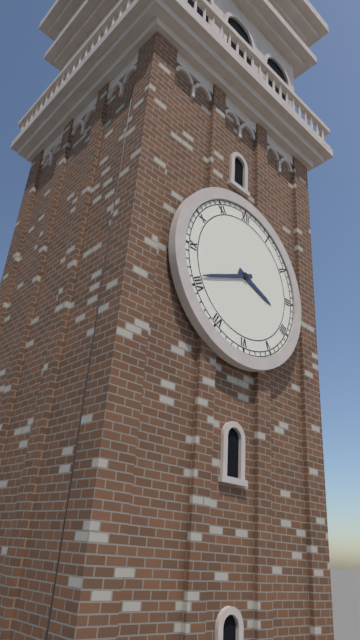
3:41
